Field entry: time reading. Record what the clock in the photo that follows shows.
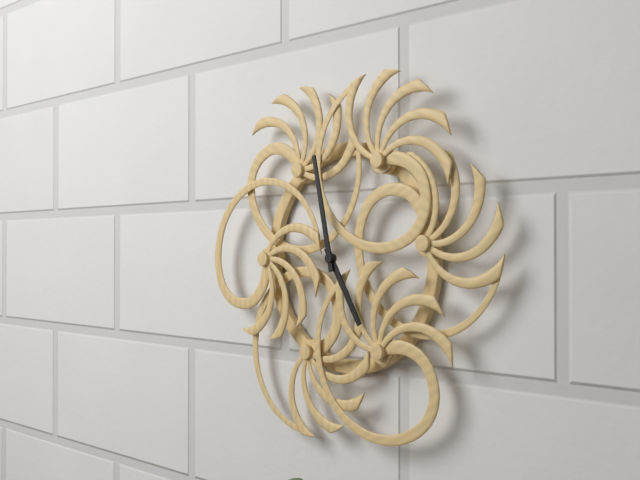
4:58
